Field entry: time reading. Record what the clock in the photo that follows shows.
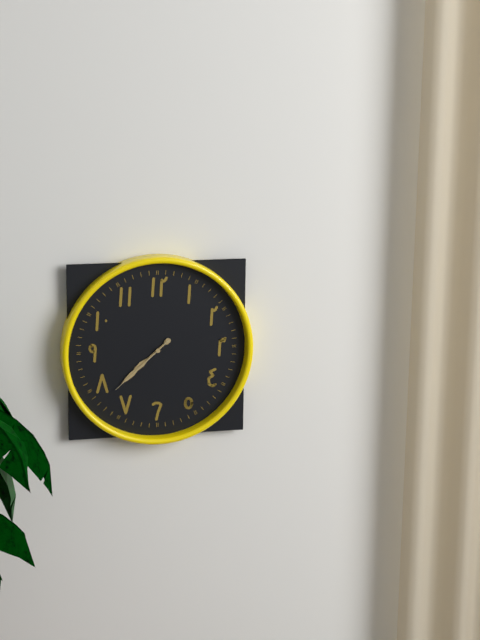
7:38:38
